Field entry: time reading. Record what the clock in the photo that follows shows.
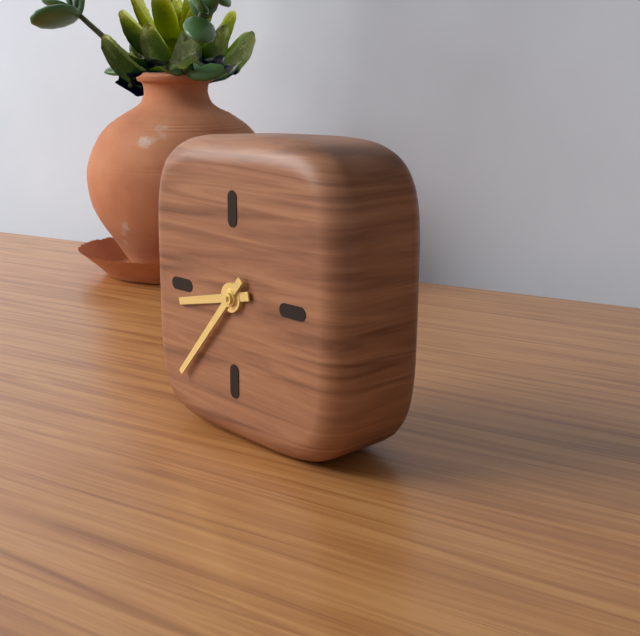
8:37
